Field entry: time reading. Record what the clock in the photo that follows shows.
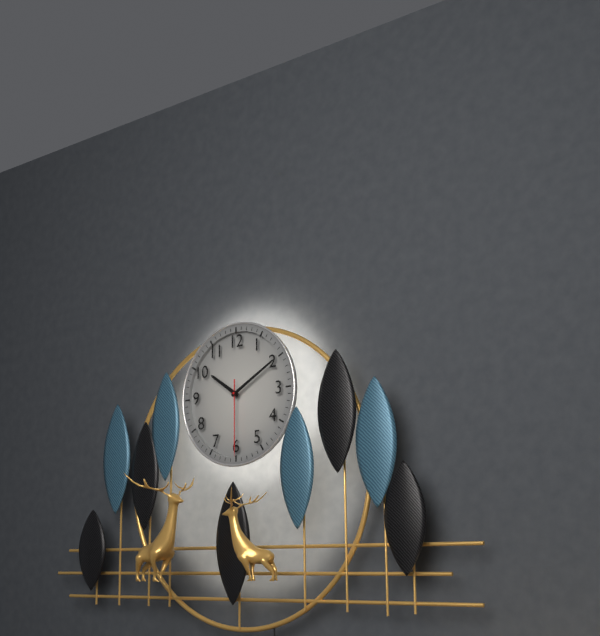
10:10:30
